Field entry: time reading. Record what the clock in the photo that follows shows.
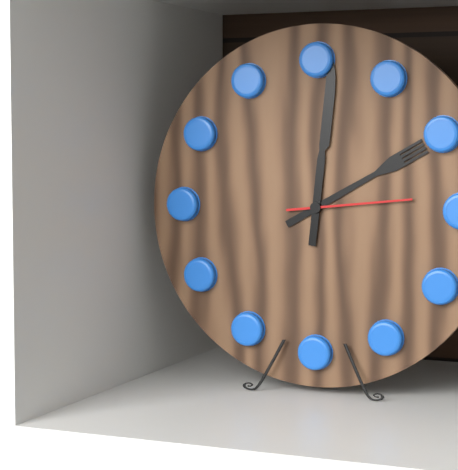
2:01:14
